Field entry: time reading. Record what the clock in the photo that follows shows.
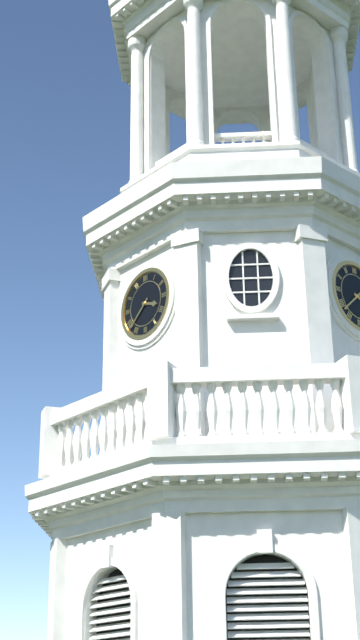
3:38
